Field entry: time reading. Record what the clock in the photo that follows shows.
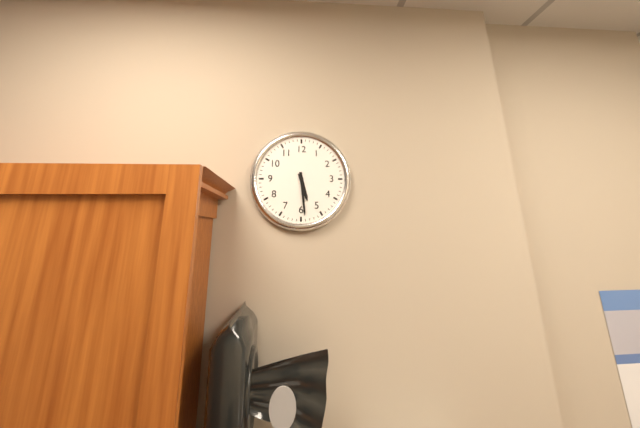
5:29
